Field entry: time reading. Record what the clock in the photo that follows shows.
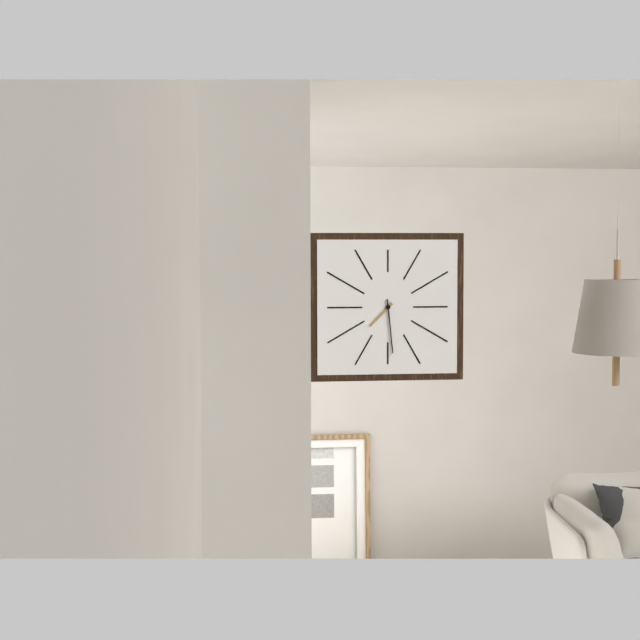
7:29
